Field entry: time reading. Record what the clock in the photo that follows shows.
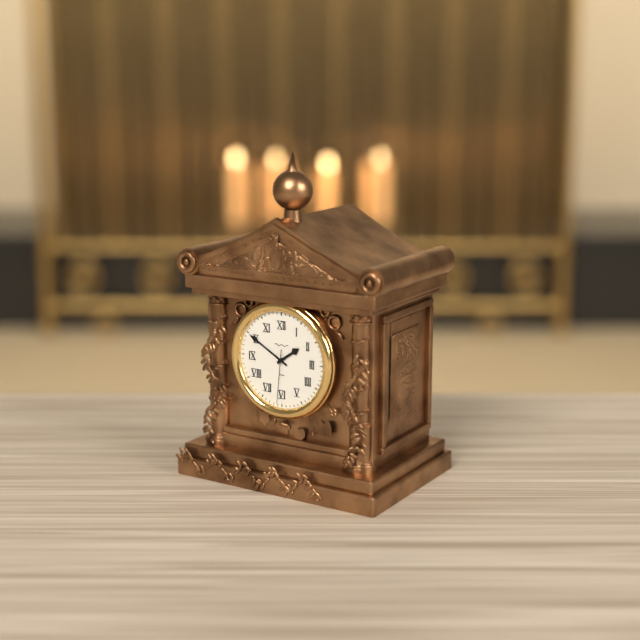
1:50:31
